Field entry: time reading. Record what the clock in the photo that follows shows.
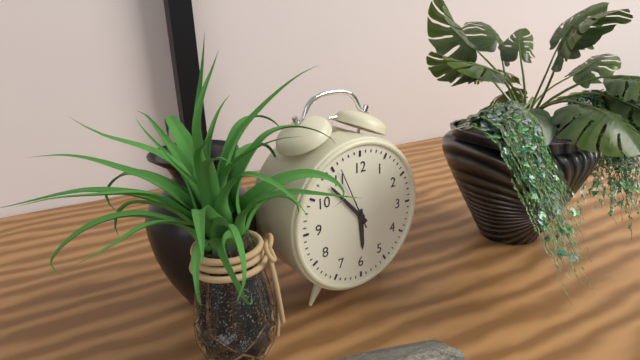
5:53:56
